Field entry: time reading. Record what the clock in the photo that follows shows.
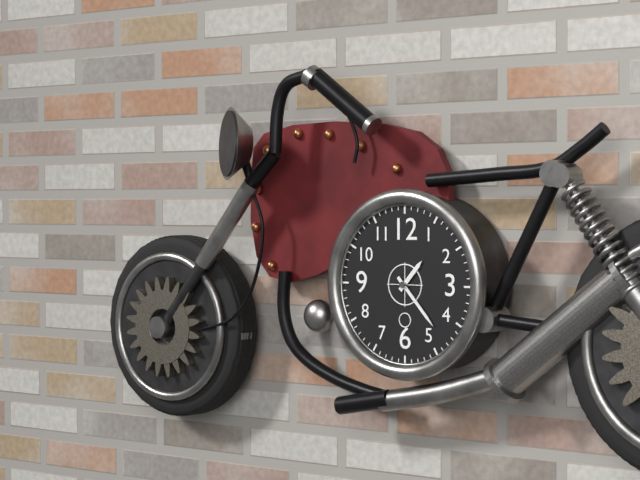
1:23
